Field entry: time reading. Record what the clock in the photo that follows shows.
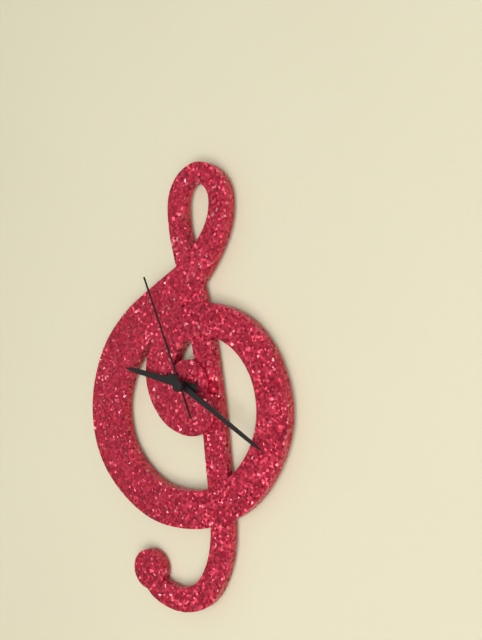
9:20:56
